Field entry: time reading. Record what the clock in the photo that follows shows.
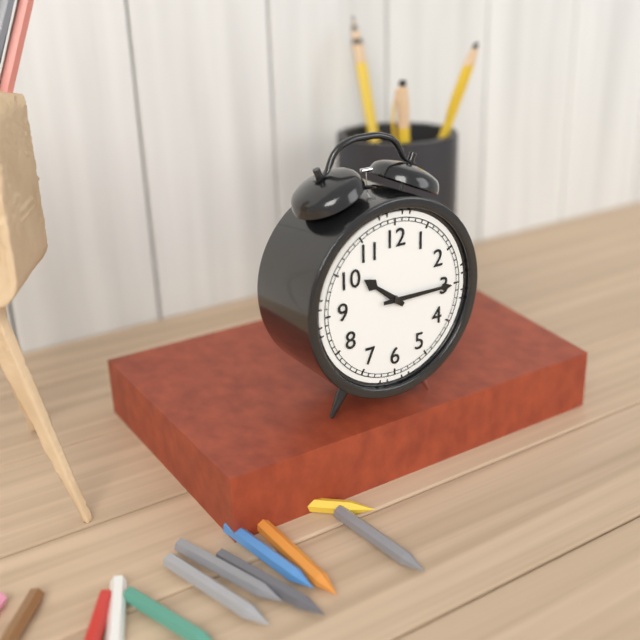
10:15
